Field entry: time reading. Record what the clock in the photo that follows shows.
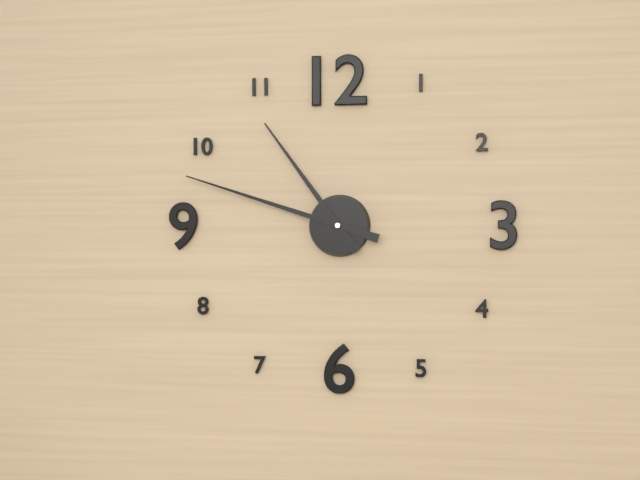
10:48
